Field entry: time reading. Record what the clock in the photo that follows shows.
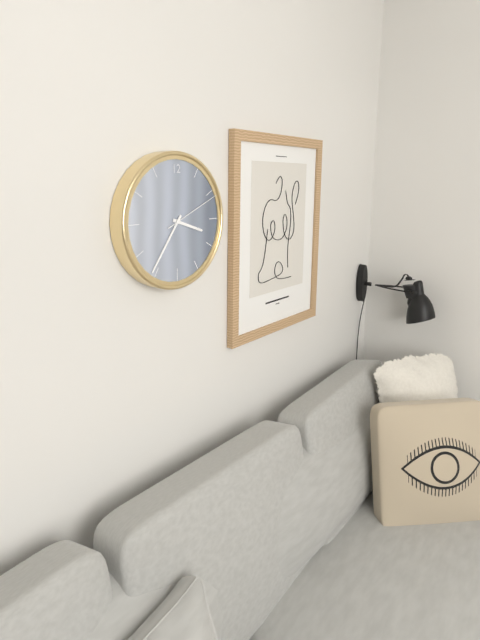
3:36:11
